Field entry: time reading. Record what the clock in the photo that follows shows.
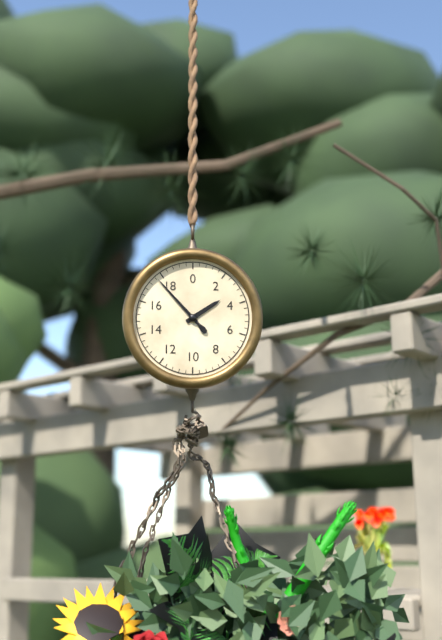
1:53
